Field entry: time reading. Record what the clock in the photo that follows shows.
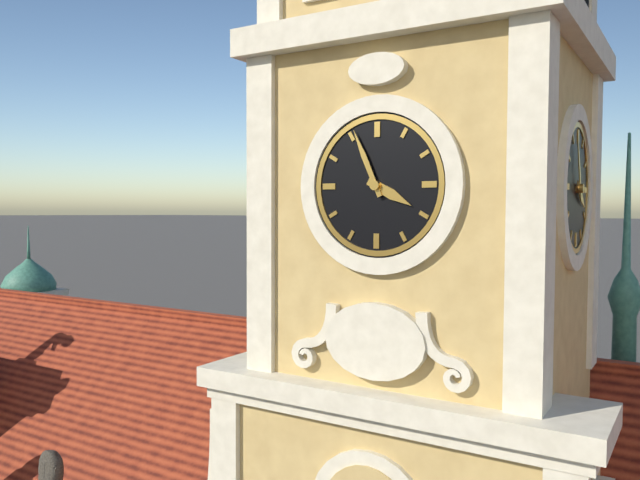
3:56
